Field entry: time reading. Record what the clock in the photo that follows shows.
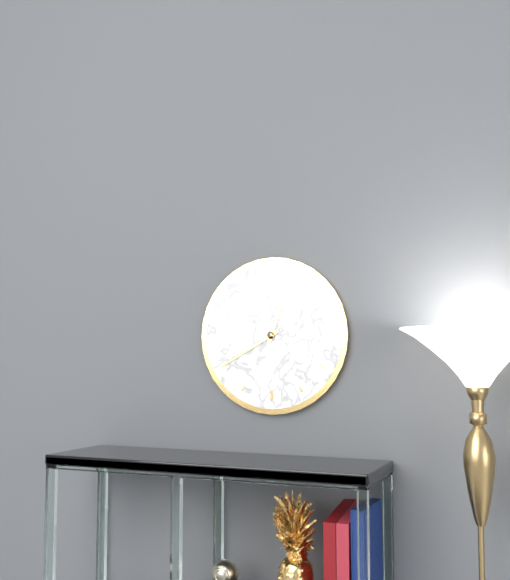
12:40
